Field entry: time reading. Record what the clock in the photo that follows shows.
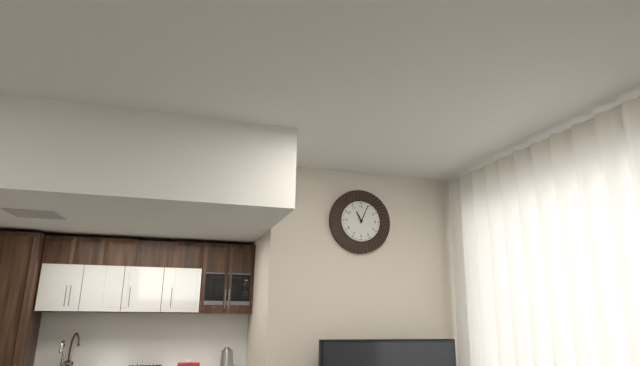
11:04
